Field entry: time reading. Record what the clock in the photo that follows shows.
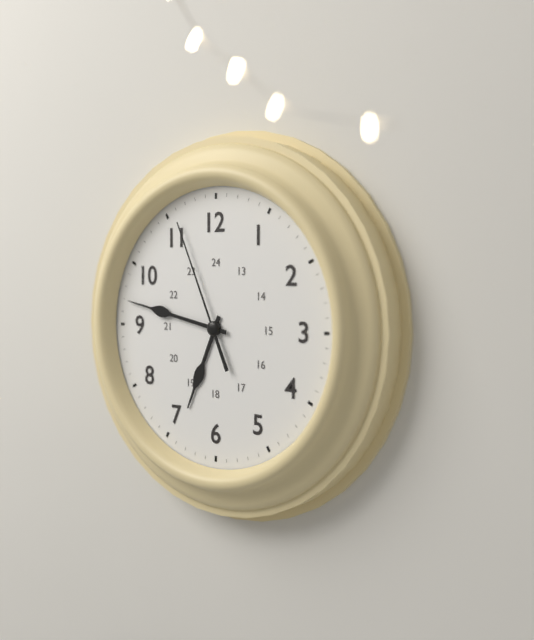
6:47:56
